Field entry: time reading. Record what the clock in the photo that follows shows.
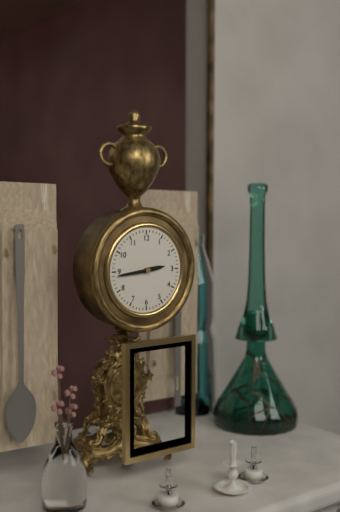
2:44
